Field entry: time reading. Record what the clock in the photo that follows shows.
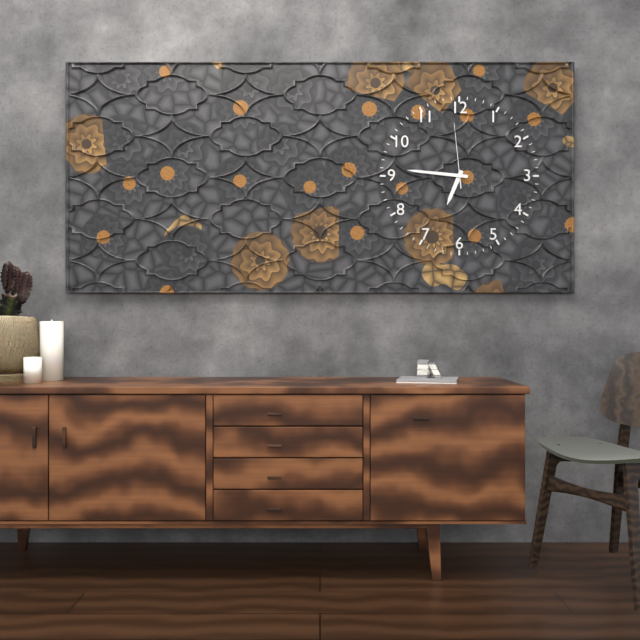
6:46:59
